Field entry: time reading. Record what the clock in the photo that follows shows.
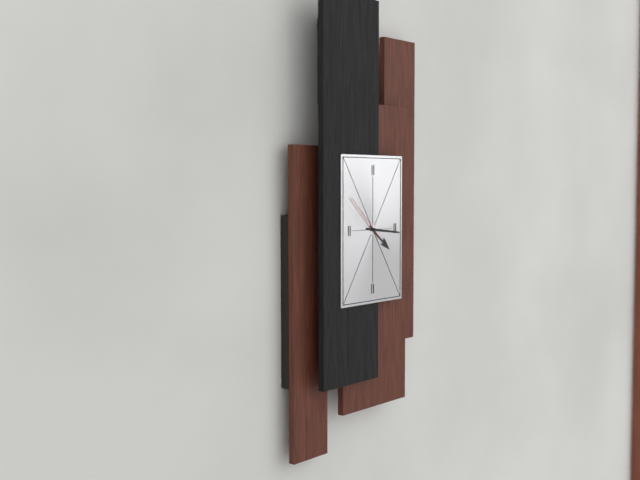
4:16
